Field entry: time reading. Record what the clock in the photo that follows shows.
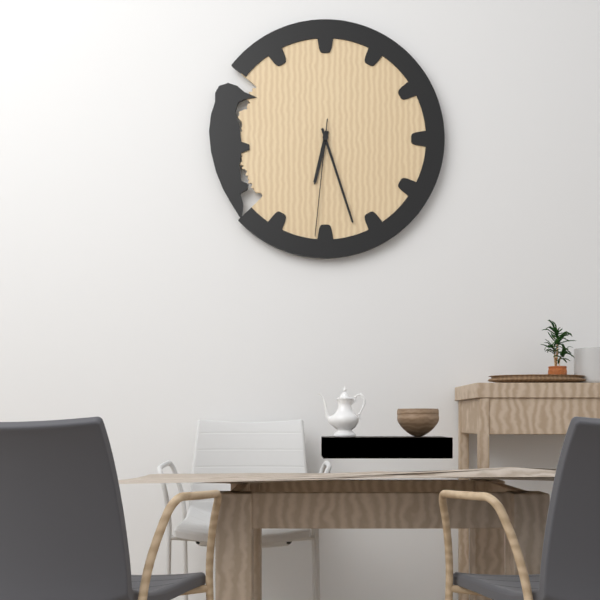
6:27:31
